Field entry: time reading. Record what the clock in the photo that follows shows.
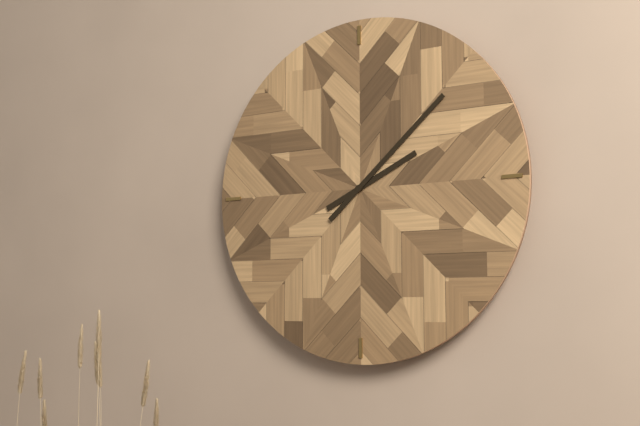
2:08
